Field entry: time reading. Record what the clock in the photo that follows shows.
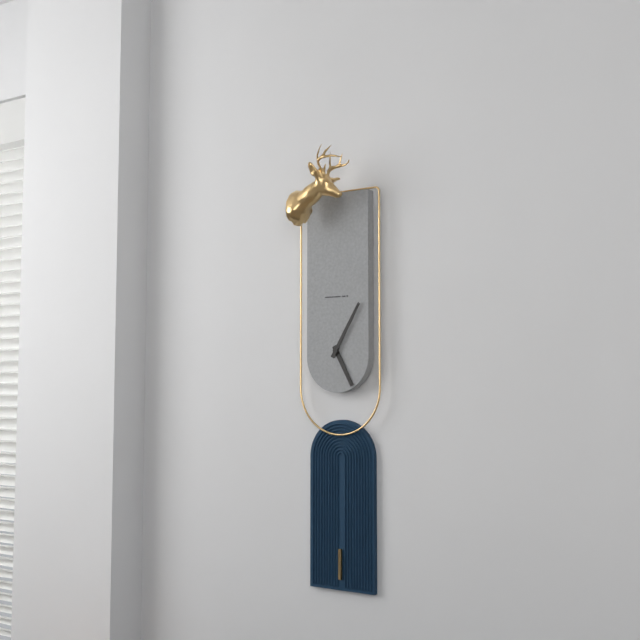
5:05
